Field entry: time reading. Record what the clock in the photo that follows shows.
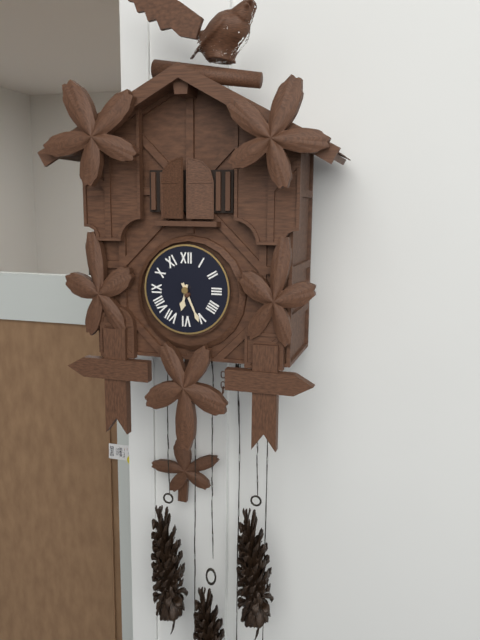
6:26
